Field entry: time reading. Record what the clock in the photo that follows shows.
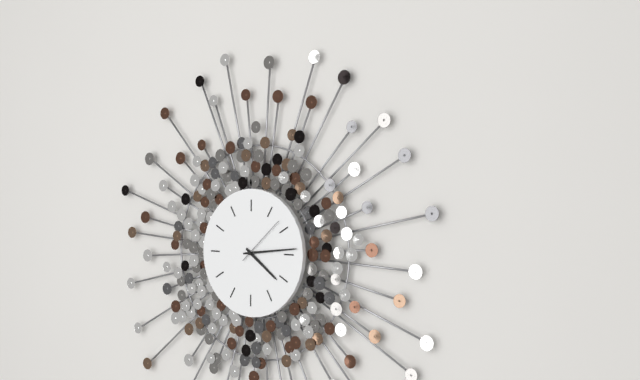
4:14:08
